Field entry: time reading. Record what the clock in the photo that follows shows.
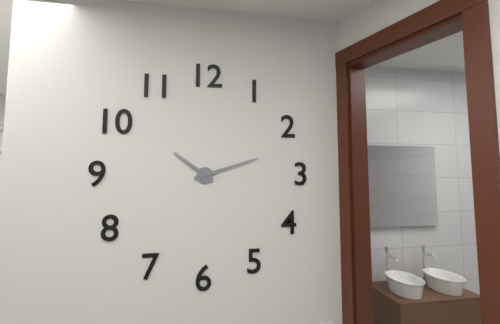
10:12
